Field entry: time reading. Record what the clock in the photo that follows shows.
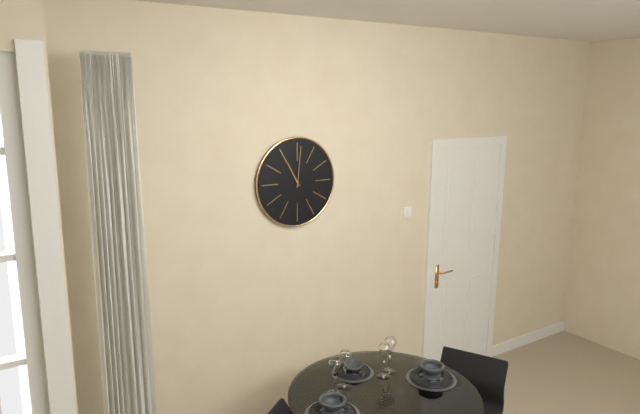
11:01
